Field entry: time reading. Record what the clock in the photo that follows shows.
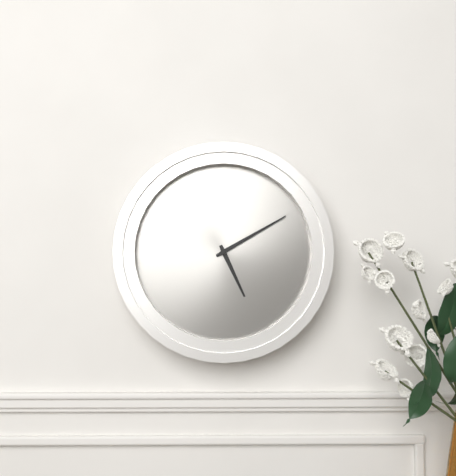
5:10
